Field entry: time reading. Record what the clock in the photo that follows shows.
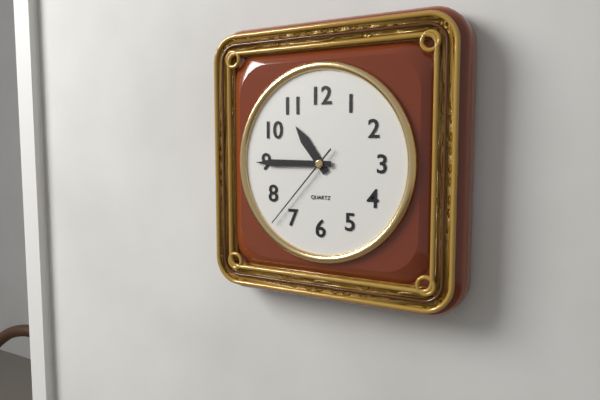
10:45:37
